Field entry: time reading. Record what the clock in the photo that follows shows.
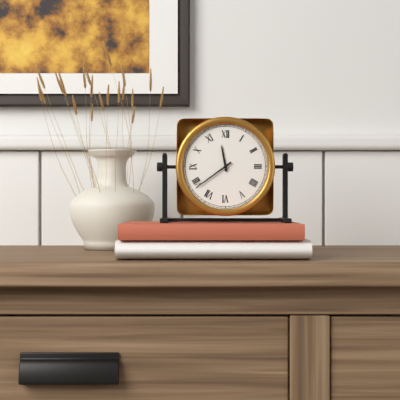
11:39
